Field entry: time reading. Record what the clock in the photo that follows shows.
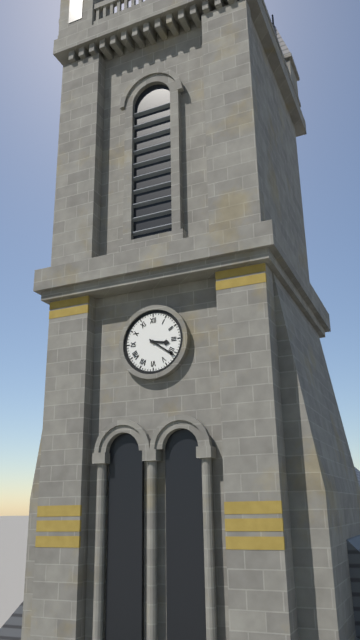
3:21
